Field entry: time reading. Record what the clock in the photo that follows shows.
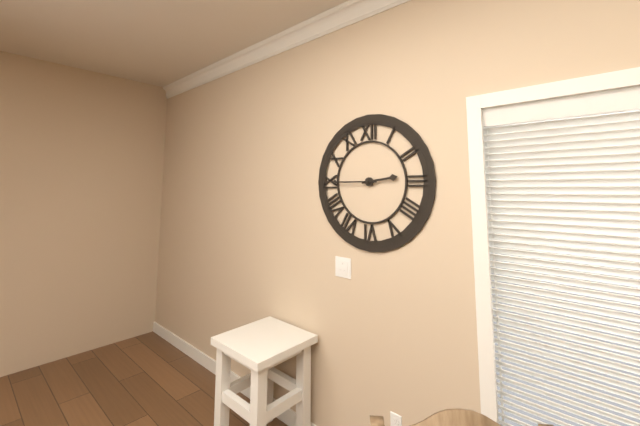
2:45
